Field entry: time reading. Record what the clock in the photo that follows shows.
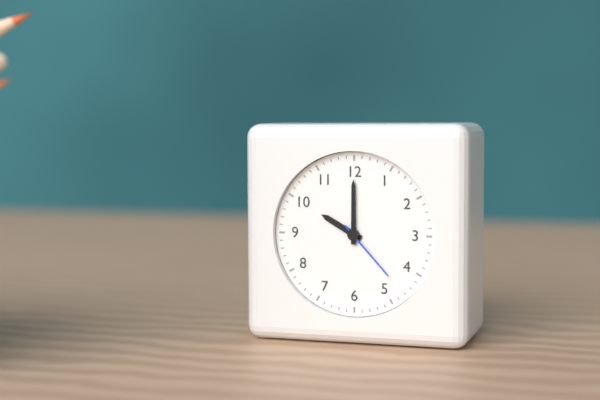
10:00:23
